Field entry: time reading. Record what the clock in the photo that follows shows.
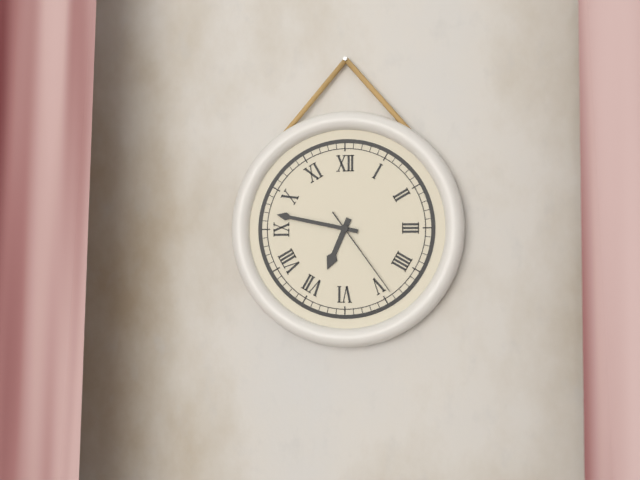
6:47:24
